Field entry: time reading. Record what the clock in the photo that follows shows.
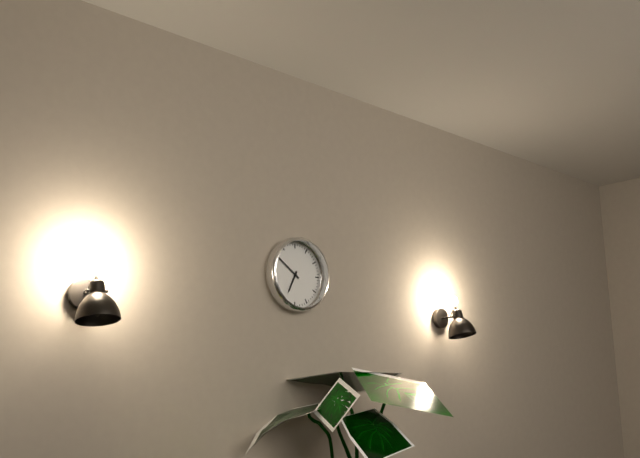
6:51
